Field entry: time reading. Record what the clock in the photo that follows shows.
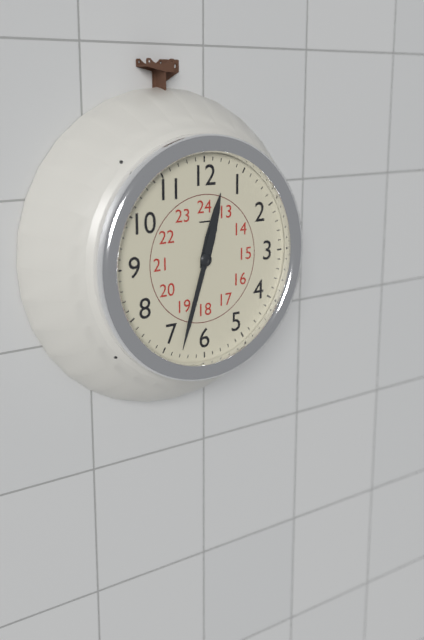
12:33
